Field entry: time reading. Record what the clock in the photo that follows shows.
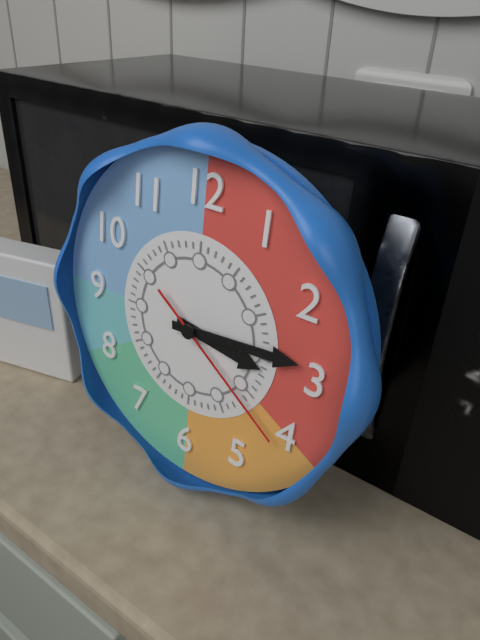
3:14:21
